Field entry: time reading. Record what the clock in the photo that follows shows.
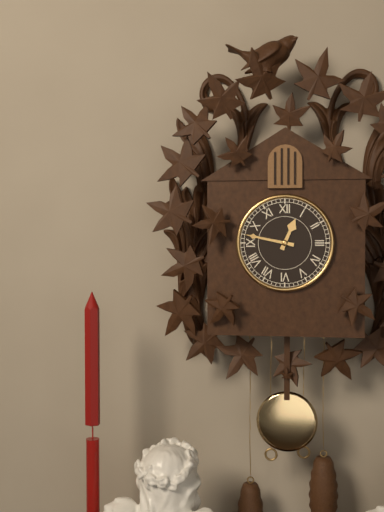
12:47
